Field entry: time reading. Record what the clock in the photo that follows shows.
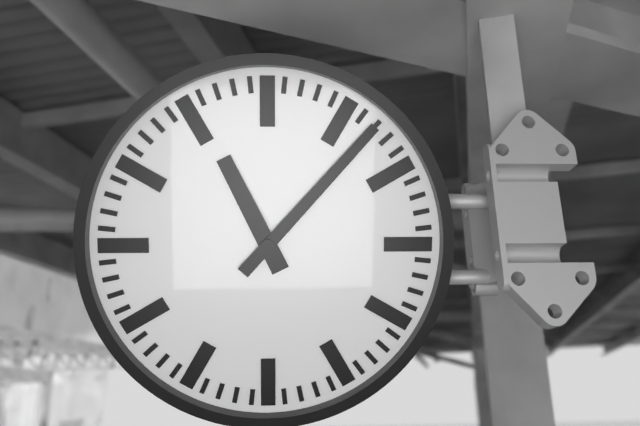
11:07
